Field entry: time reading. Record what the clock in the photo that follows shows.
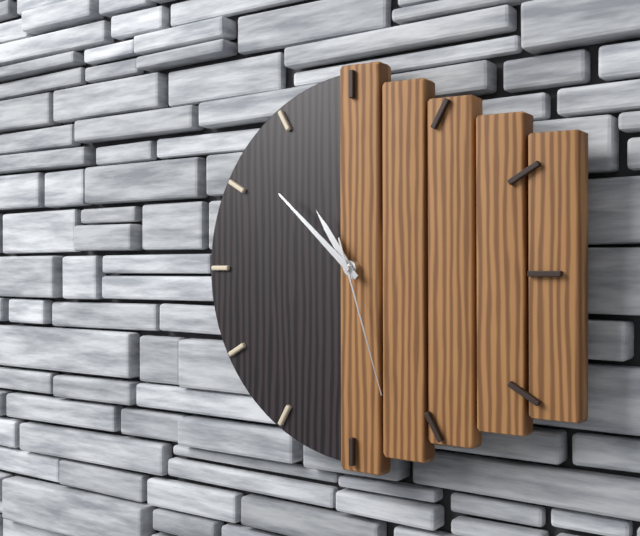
10:52:27
